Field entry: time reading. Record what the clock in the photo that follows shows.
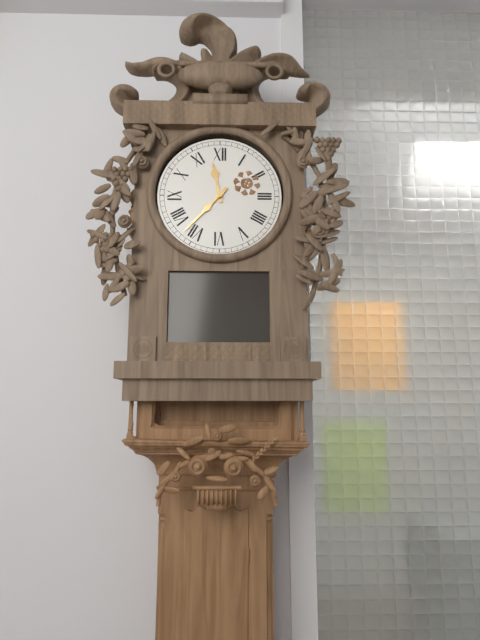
11:37
